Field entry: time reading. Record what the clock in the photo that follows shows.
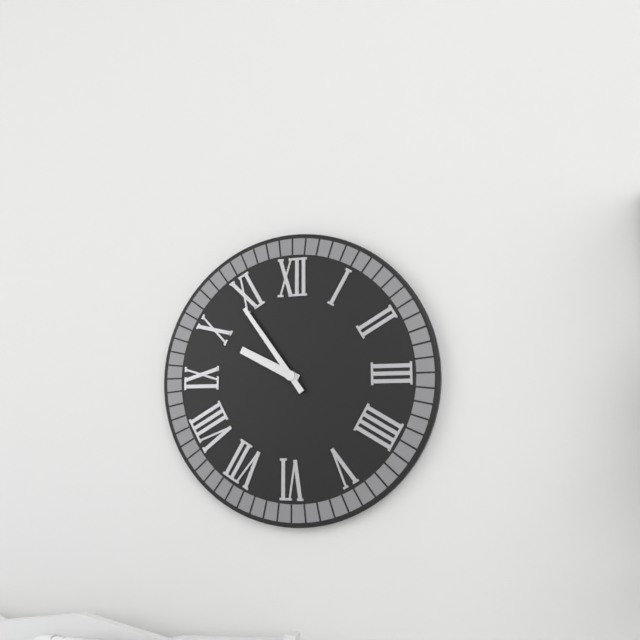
9:54
